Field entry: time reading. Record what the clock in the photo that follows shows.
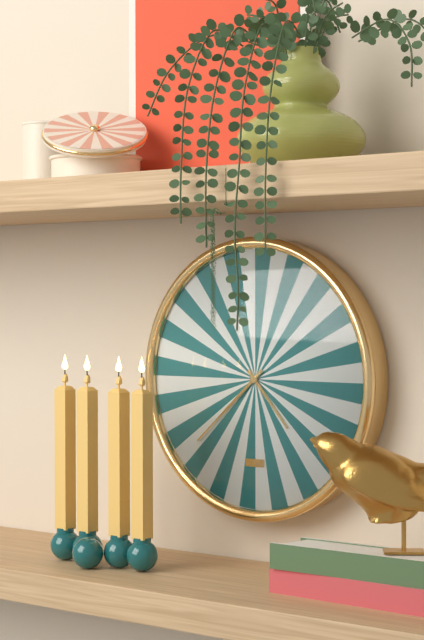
4:38
